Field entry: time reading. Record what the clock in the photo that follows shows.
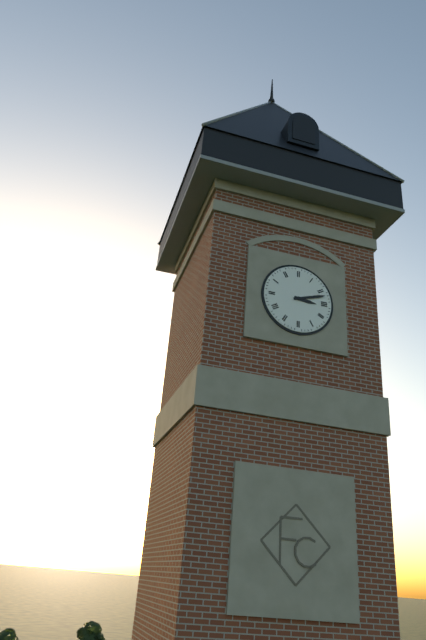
3:12
